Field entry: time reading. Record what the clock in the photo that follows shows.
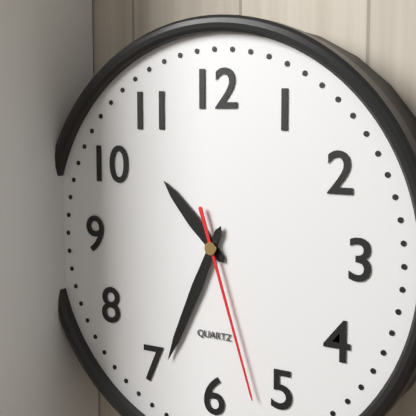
10:34:27
